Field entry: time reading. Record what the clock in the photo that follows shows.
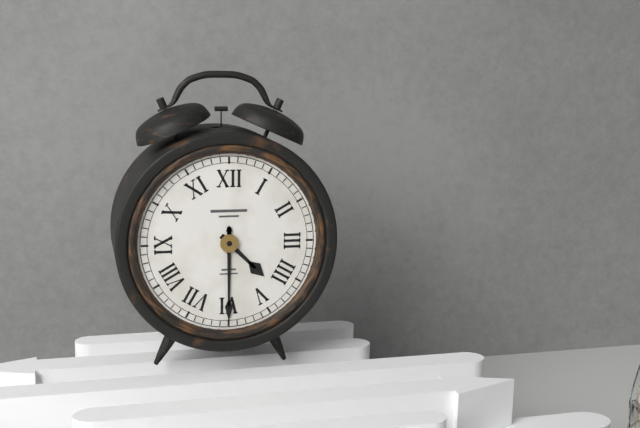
4:30
